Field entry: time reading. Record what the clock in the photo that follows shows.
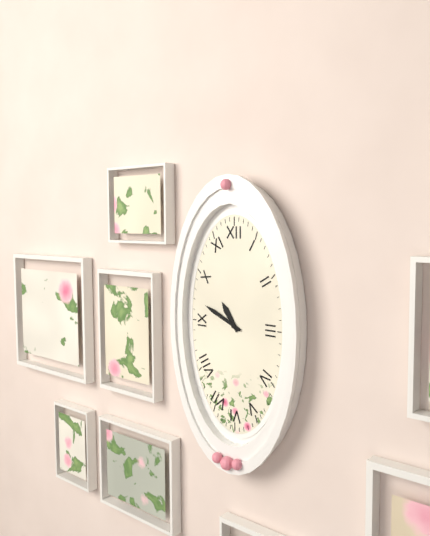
10:49
